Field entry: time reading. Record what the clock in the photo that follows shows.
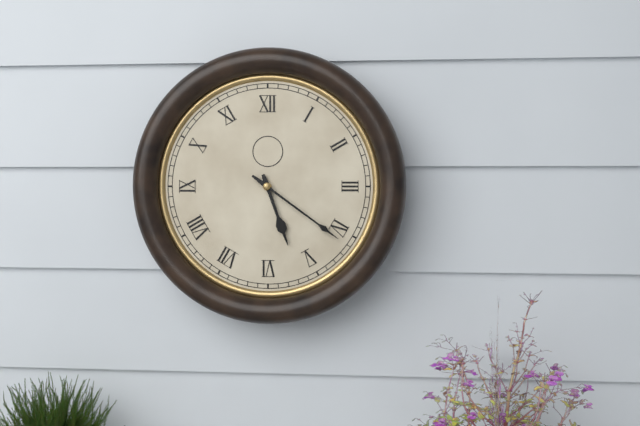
5:21
